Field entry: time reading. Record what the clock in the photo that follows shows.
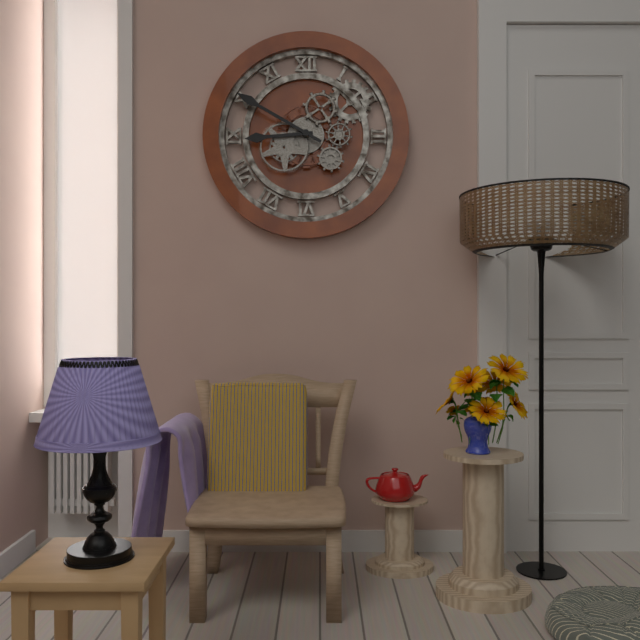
8:50
